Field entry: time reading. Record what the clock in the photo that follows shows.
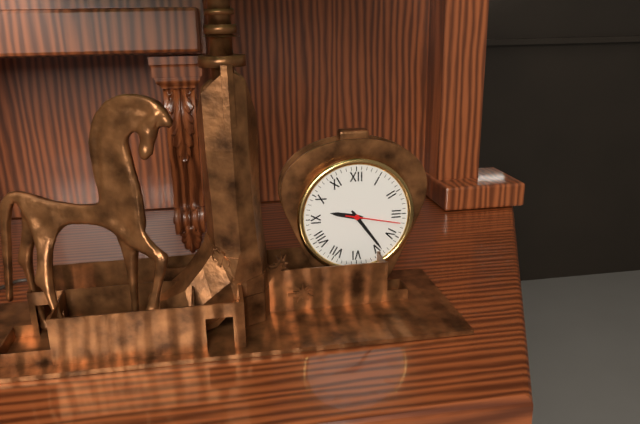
9:24:17
